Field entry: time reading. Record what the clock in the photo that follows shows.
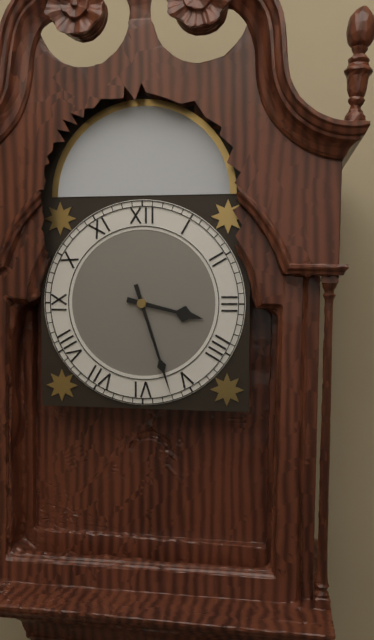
3:27
